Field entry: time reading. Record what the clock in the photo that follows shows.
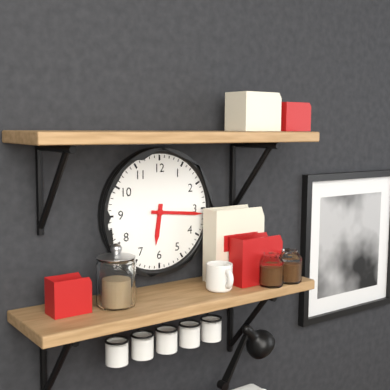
6:16
